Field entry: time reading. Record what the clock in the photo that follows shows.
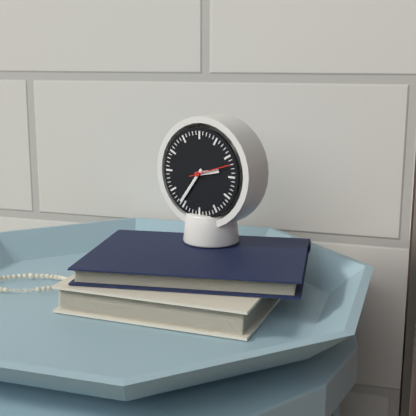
2:36
